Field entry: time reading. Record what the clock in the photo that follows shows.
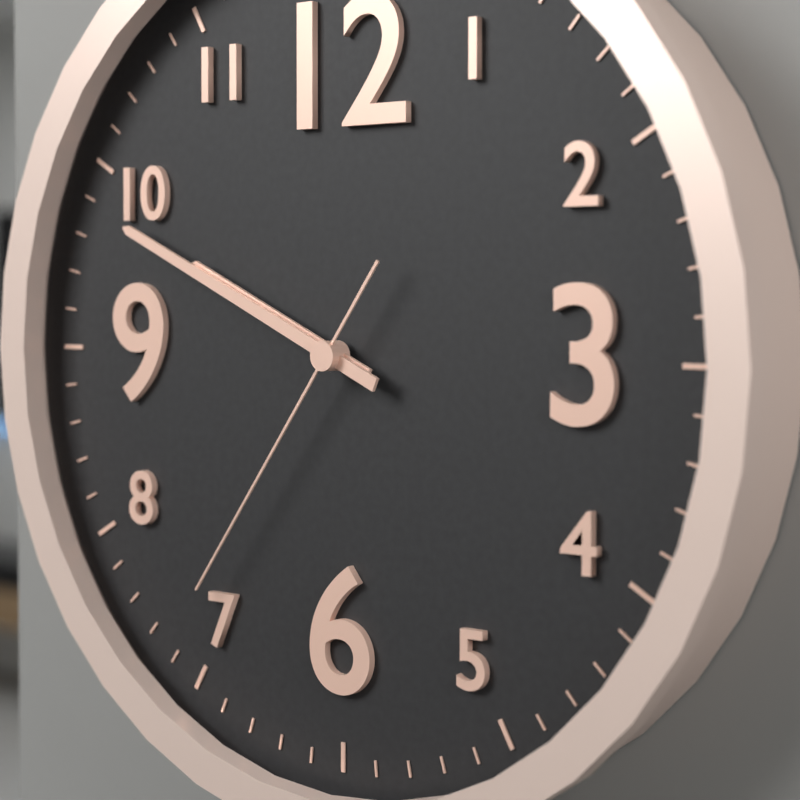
9:49:36
